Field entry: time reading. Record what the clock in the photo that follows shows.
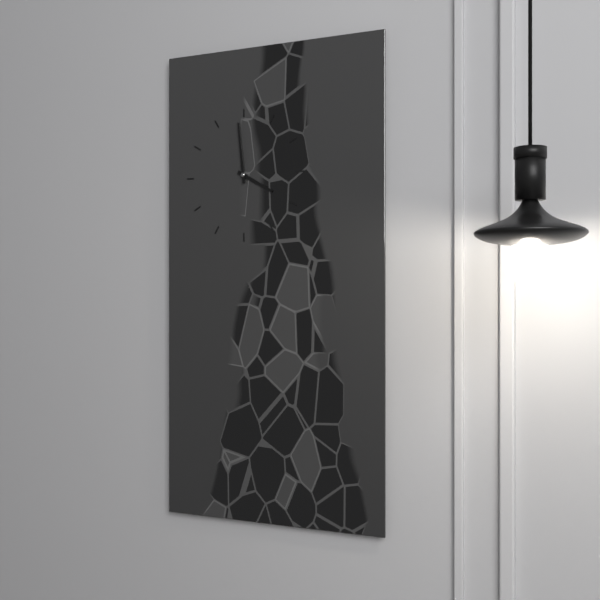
3:59
